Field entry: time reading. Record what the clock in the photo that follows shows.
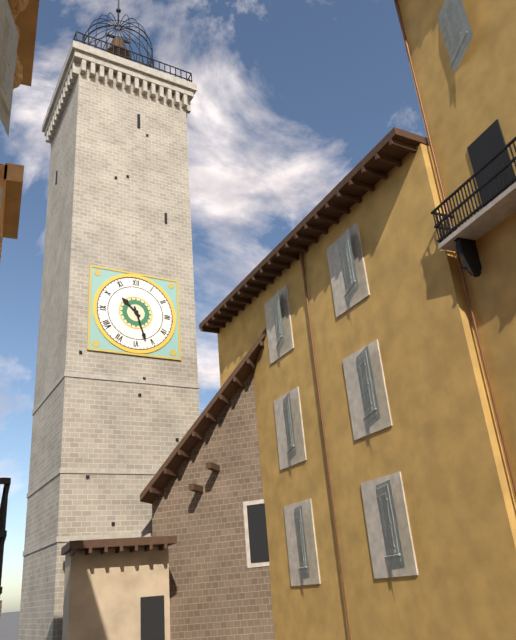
10:27
